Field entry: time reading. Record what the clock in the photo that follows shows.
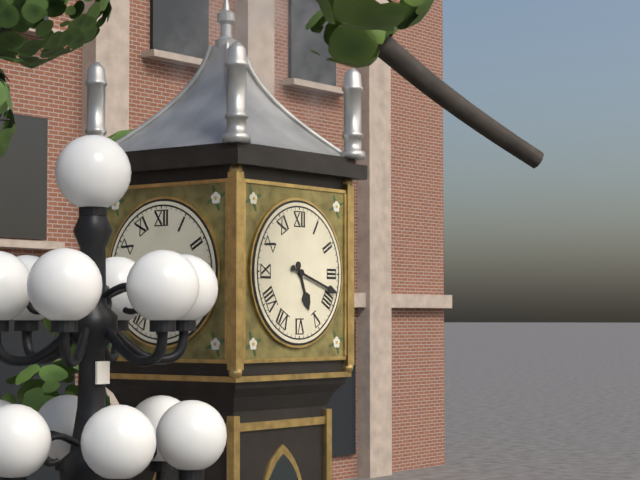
5:18
